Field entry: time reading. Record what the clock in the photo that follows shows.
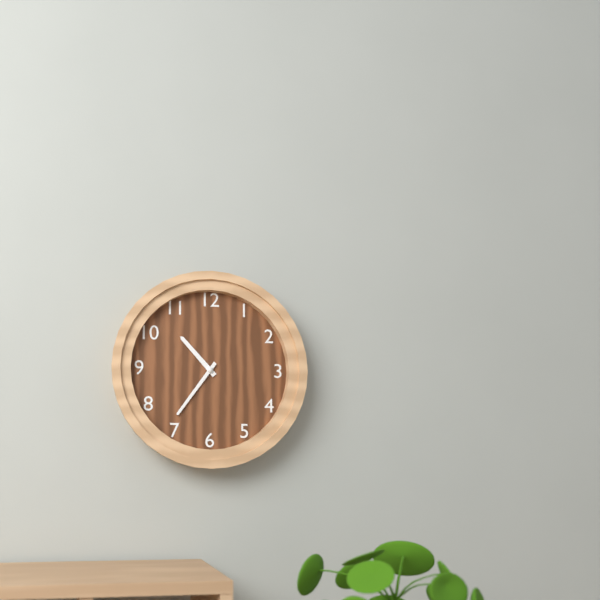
10:36
